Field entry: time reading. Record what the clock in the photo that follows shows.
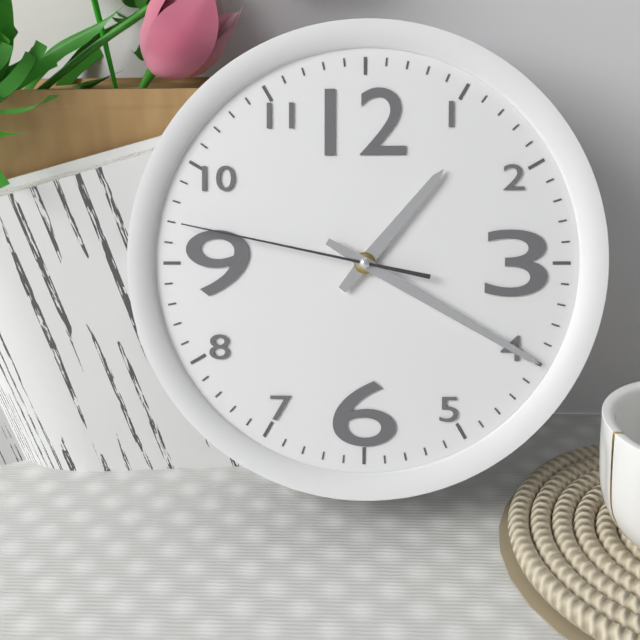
1:20:47
